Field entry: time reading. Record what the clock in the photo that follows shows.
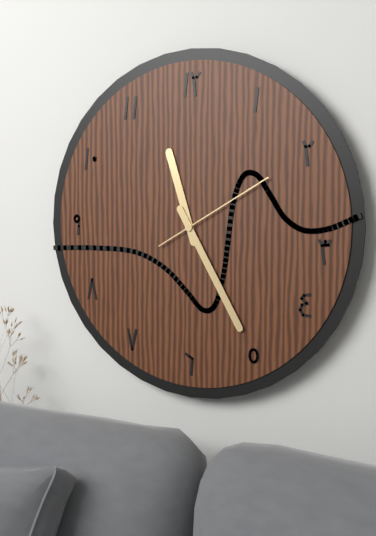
11:25:10
